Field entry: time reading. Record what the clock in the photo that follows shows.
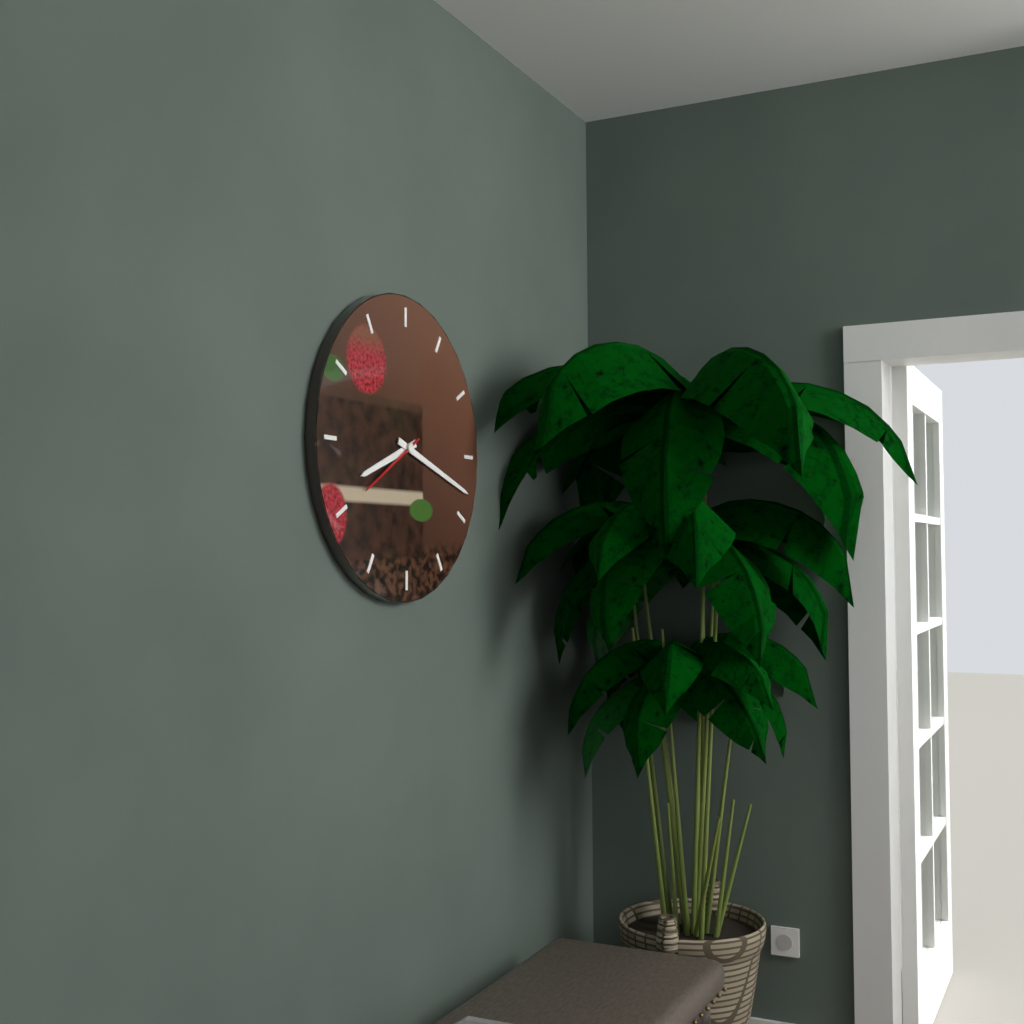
8:18:40
